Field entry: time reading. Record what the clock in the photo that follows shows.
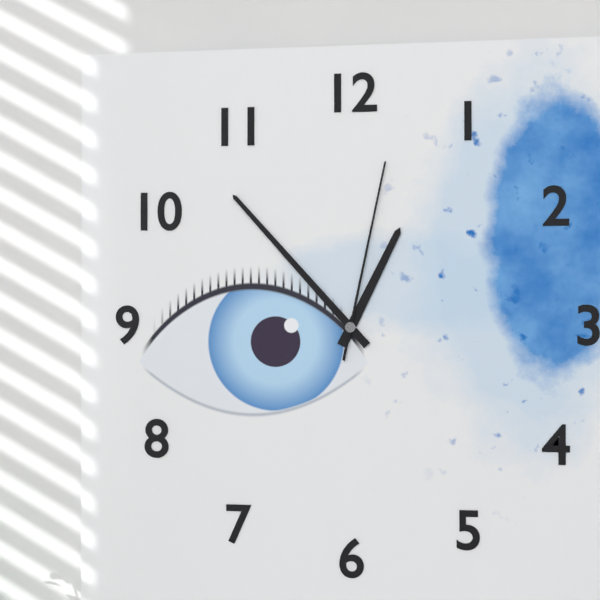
12:53:02
